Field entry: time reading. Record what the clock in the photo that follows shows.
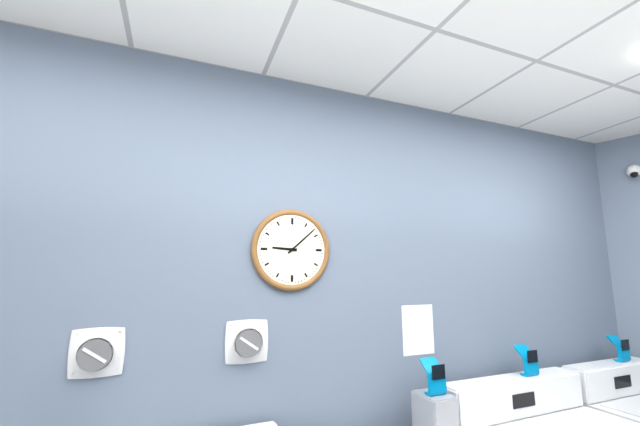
9:08
